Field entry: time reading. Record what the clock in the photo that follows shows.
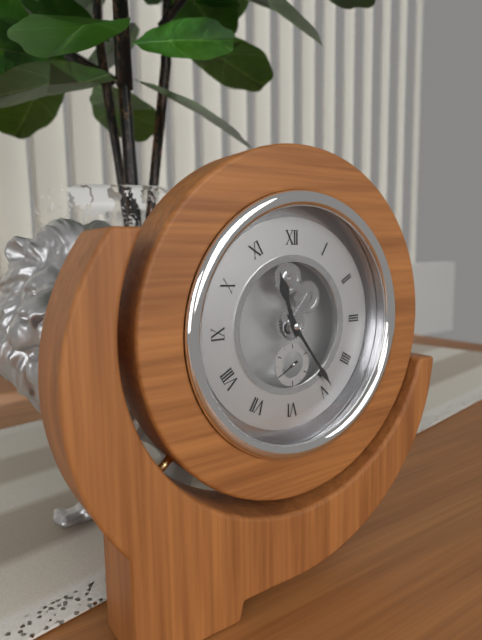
11:24
